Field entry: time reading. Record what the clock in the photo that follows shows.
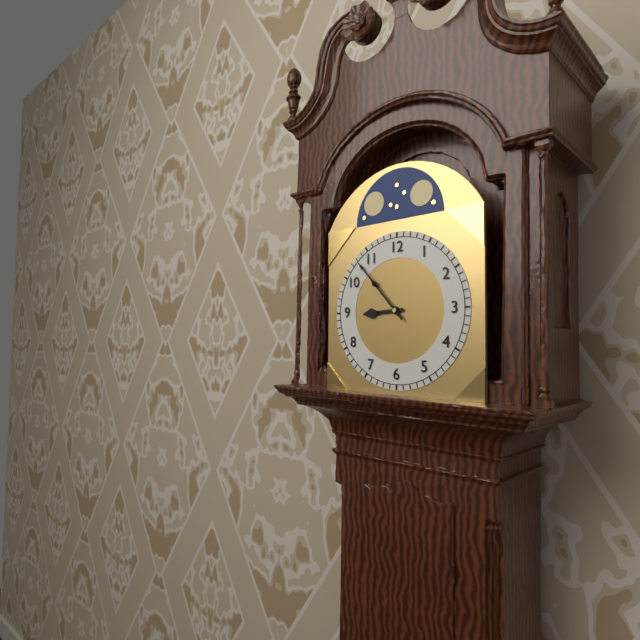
8:53
